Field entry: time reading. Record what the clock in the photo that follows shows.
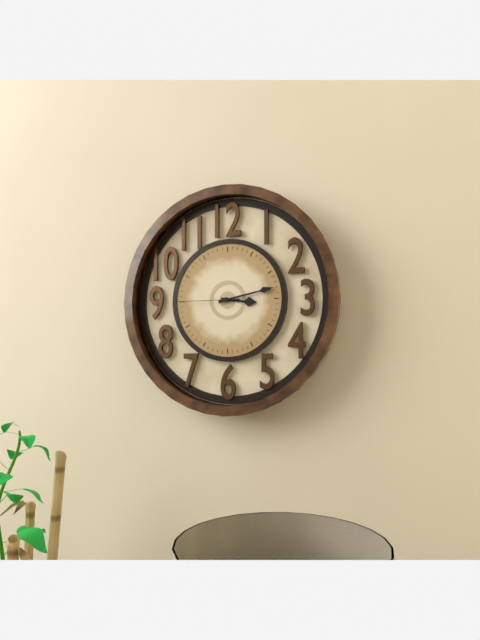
3:13:45
